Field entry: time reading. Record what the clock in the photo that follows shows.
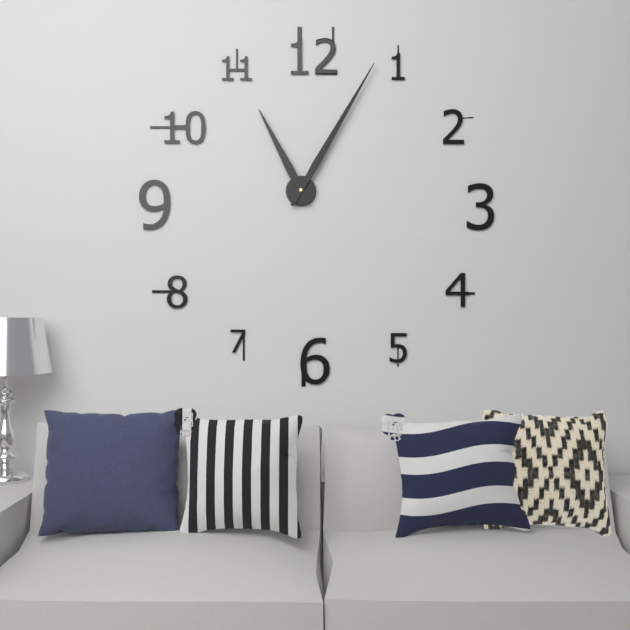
11:05
